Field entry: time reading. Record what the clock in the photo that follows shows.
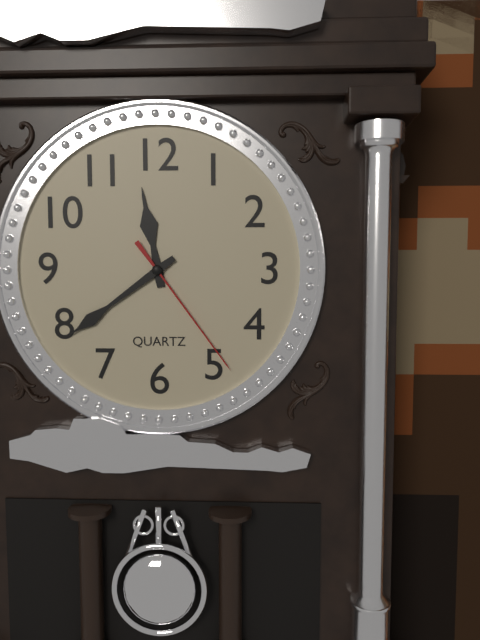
11:39:24
